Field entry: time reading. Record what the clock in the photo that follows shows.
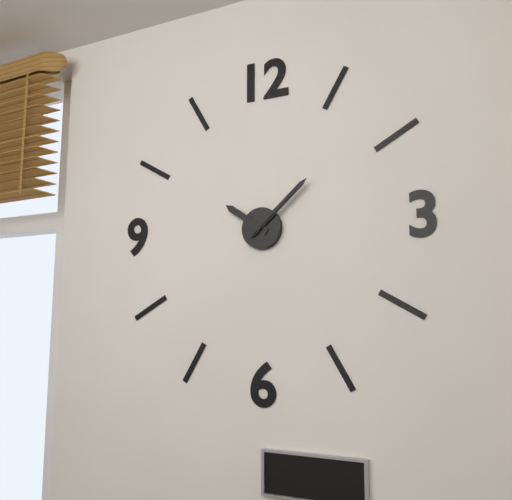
10:08:08
